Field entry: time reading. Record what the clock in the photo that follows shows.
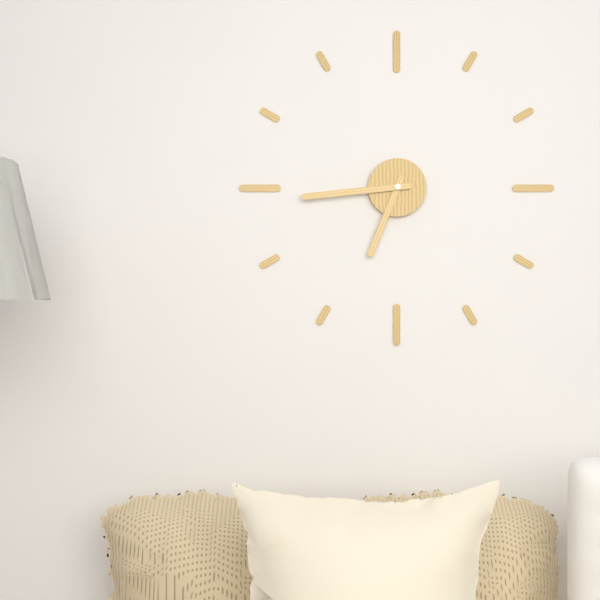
6:44
